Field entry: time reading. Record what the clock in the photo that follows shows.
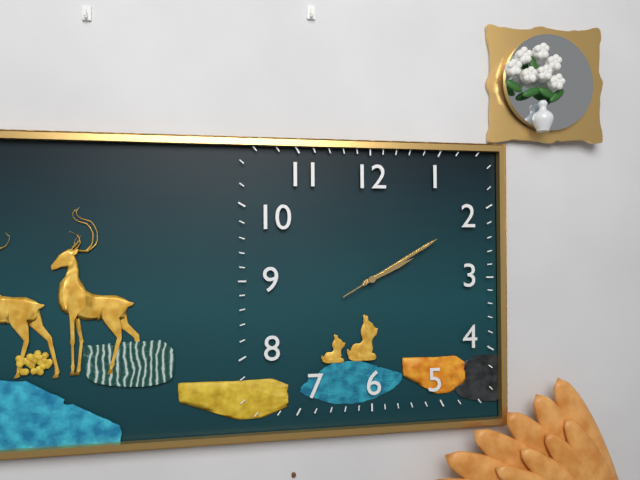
2:10:10
